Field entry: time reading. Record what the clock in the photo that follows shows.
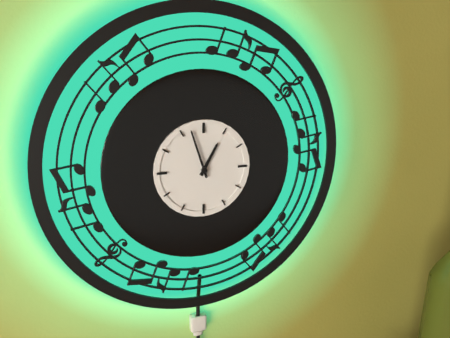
12:57
